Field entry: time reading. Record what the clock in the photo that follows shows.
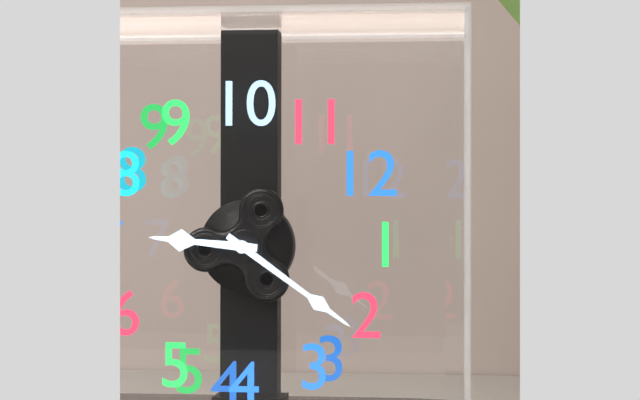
7:11
